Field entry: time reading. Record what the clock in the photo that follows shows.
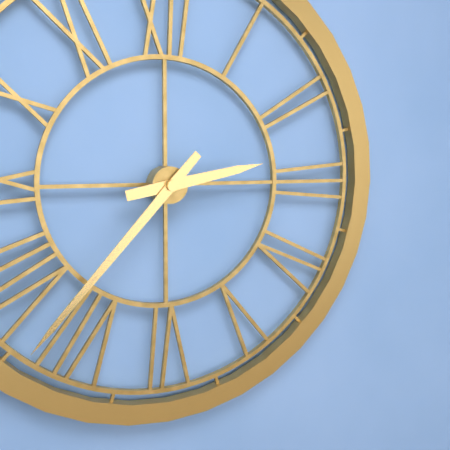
2:37
